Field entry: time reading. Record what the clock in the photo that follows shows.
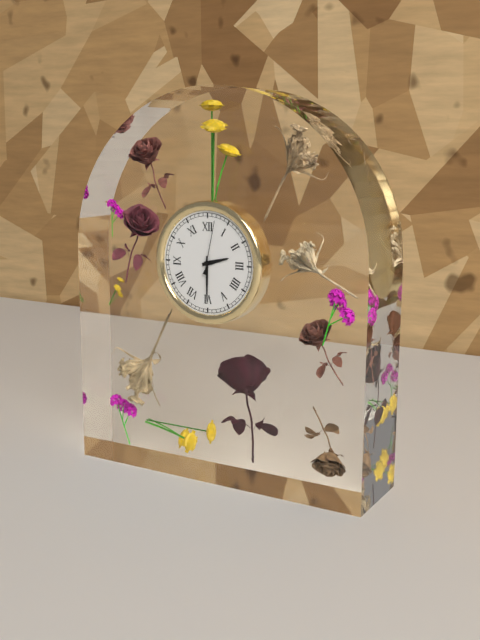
2:30:02
